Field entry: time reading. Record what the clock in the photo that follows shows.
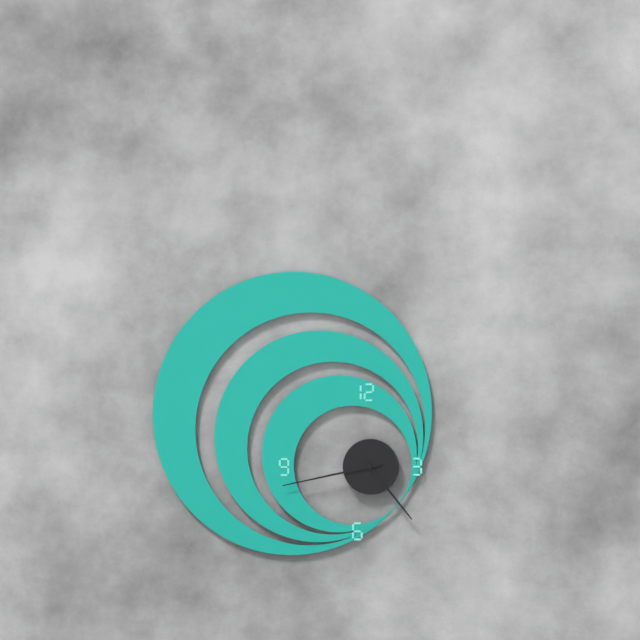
4:43
